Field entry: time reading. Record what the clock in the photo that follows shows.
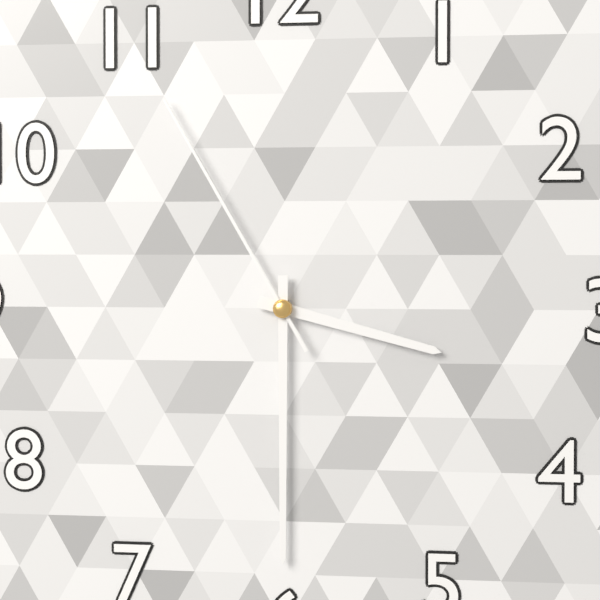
3:30:55
